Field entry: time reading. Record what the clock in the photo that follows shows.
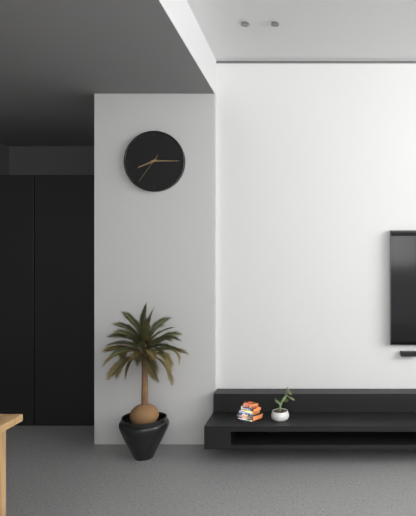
8:15
